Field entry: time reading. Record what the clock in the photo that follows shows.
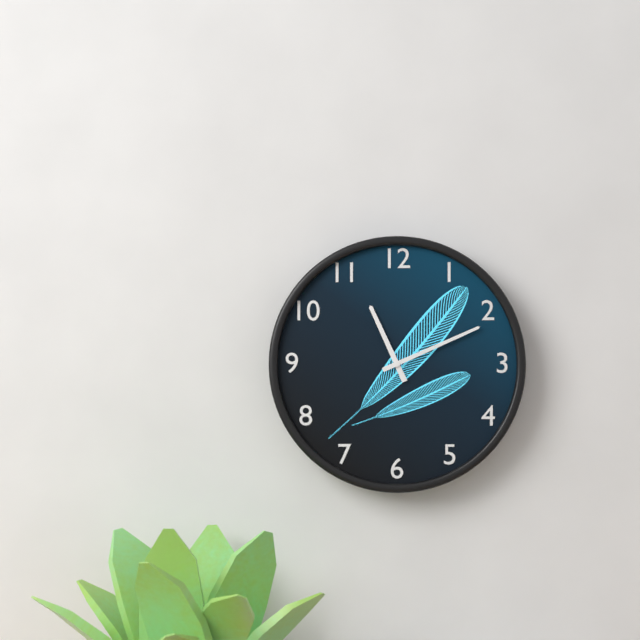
11:11
